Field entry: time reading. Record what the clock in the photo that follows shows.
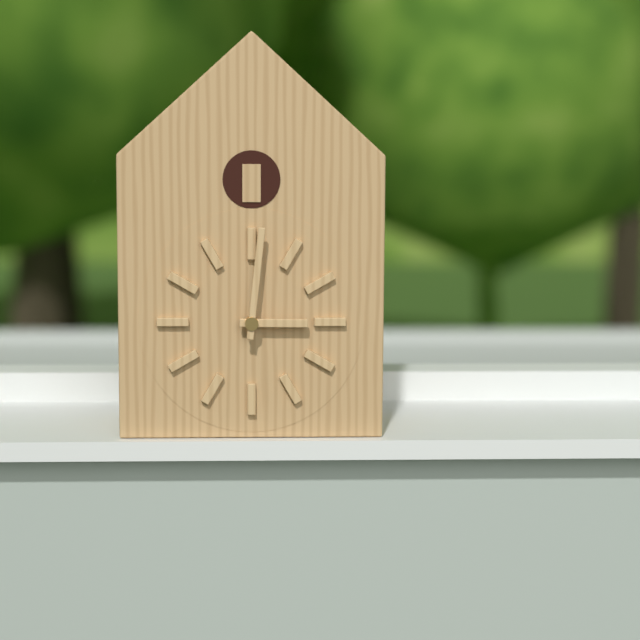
3:01
